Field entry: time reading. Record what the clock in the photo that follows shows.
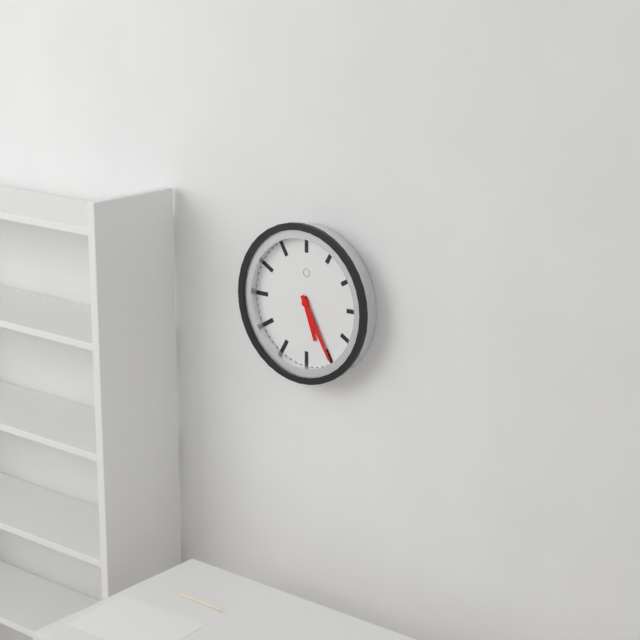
5:25
